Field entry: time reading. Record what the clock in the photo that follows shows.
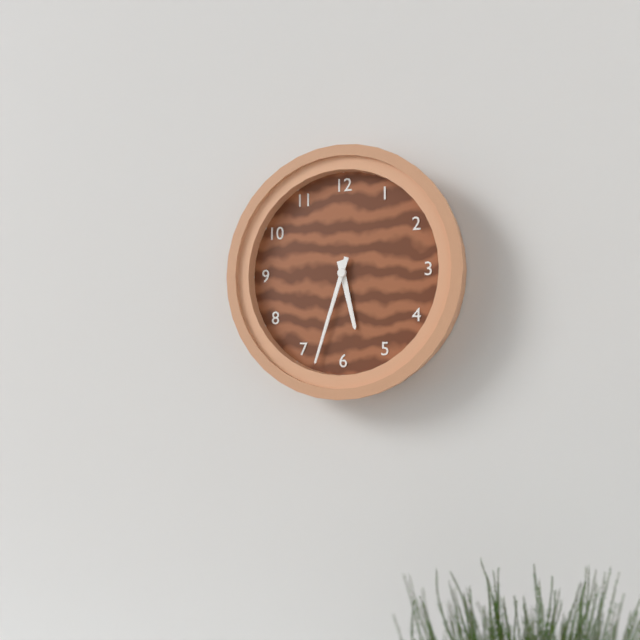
5:33
